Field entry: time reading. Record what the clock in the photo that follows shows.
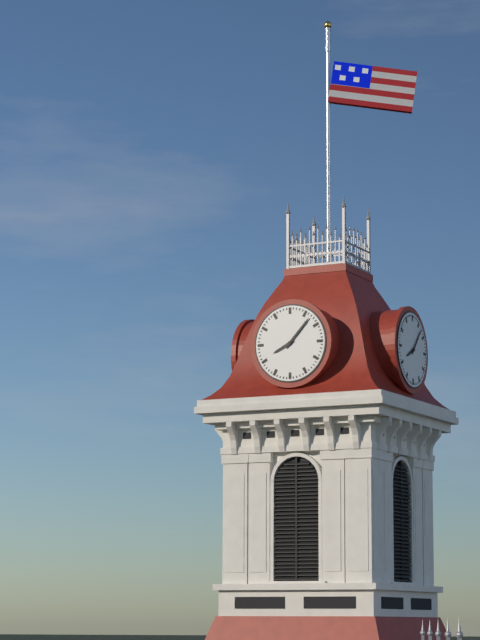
8:07
